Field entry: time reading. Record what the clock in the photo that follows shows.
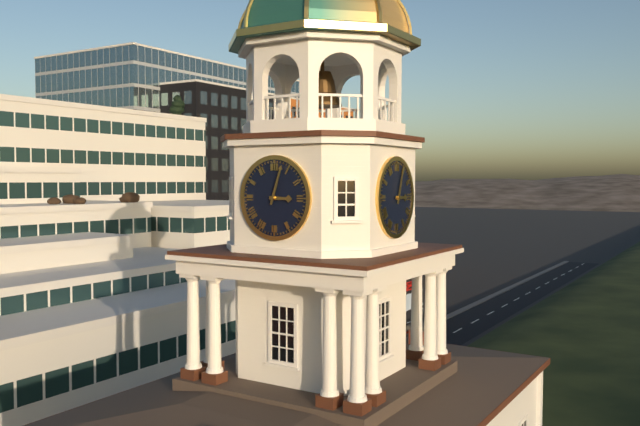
3:03
